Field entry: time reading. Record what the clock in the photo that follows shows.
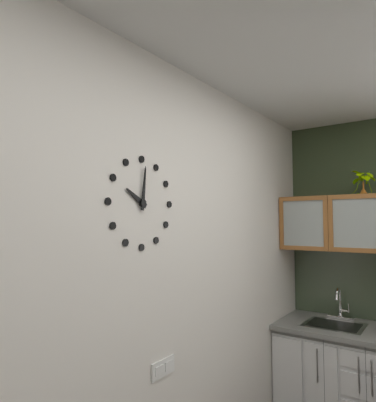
10:01
